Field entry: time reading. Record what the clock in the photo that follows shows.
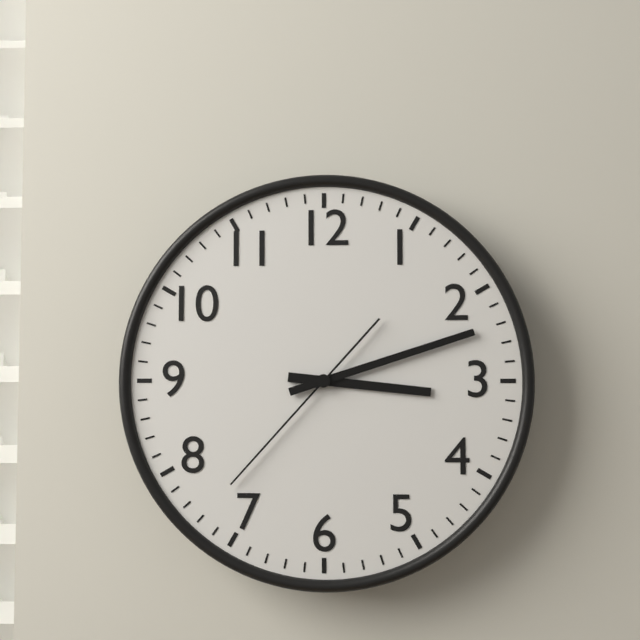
3:12:37
